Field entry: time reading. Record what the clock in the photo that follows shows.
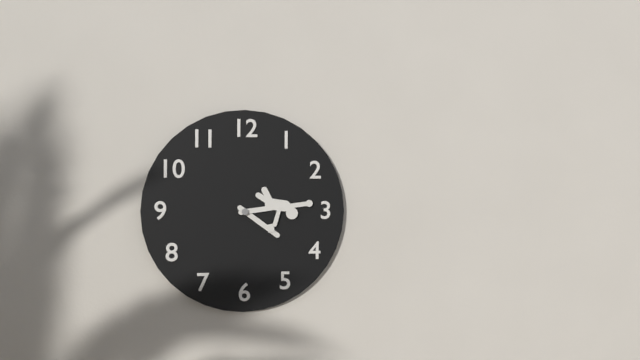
4:13
